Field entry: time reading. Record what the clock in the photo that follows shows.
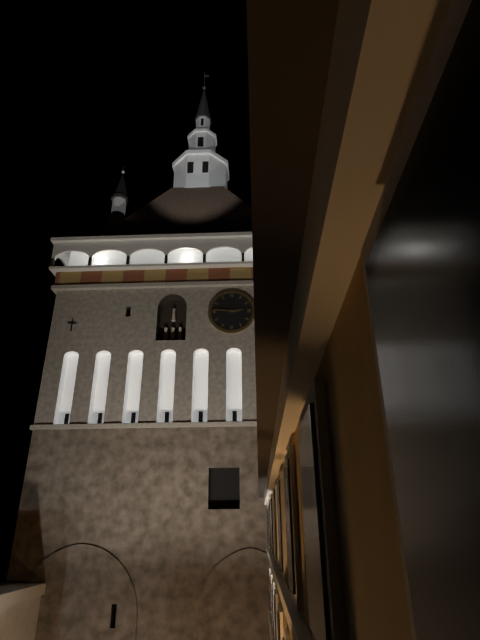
2:46
